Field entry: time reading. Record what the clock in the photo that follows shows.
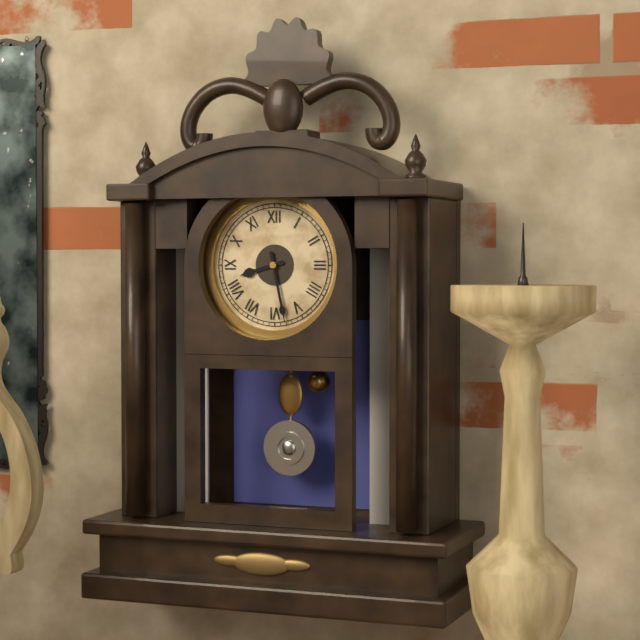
8:28
